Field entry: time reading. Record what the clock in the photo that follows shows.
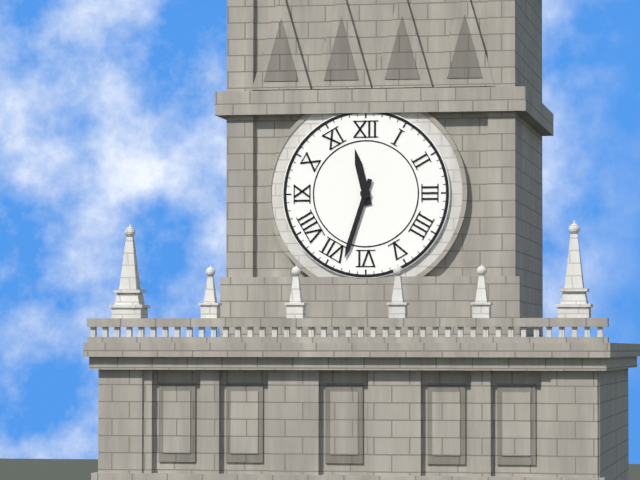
11:33
